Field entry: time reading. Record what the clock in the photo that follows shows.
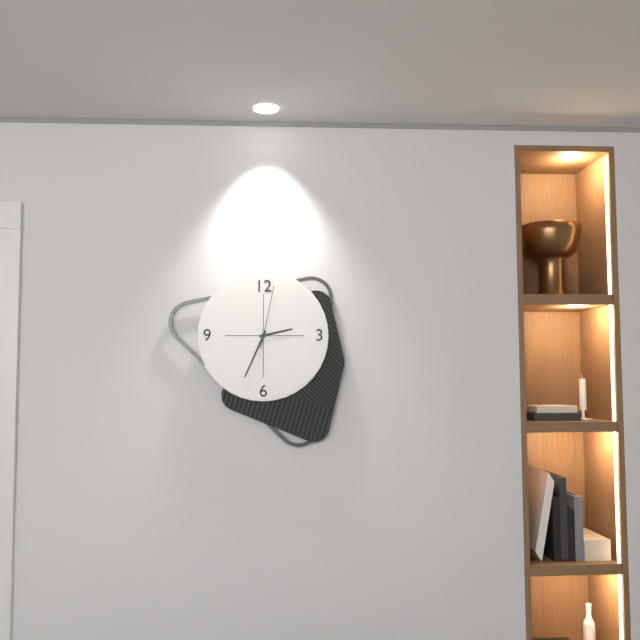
2:34:02
